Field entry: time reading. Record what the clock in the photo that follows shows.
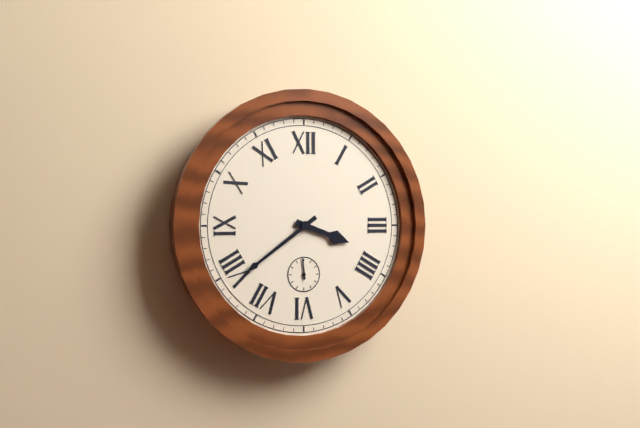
3:39
